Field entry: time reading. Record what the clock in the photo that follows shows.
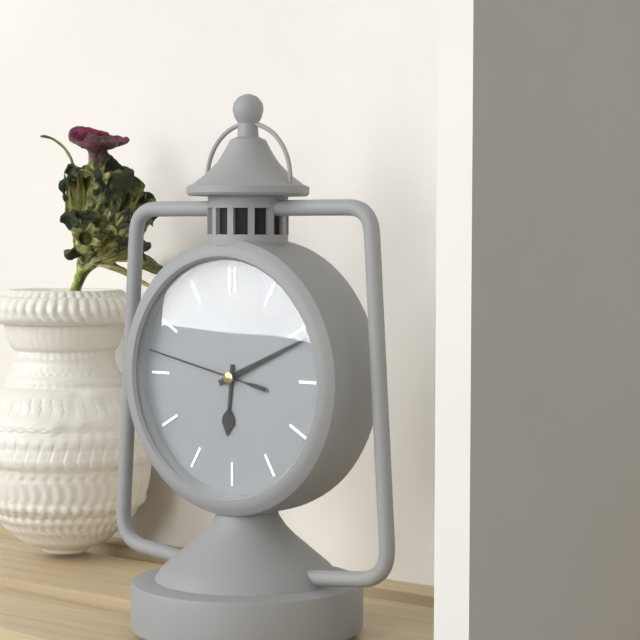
6:11:47
